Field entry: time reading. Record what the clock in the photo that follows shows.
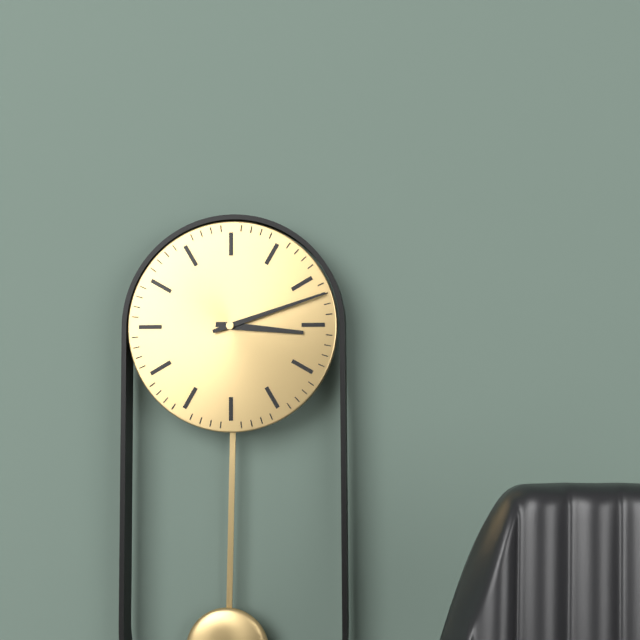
3:12
